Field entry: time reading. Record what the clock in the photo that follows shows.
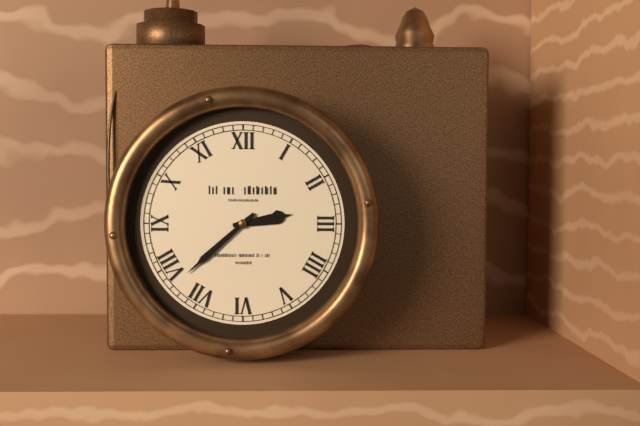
2:38
